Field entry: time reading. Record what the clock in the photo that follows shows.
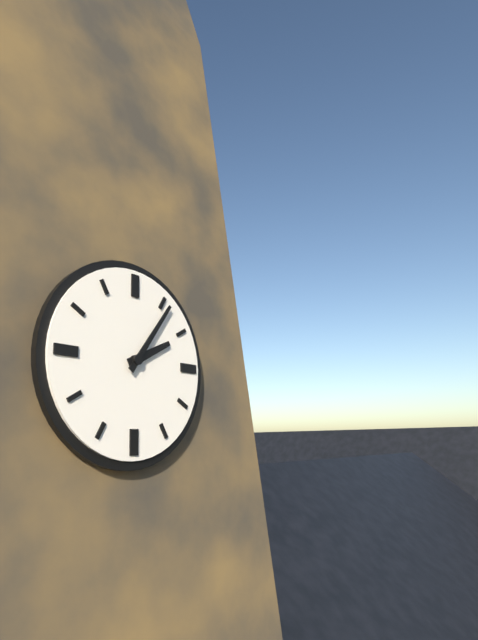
2:06
